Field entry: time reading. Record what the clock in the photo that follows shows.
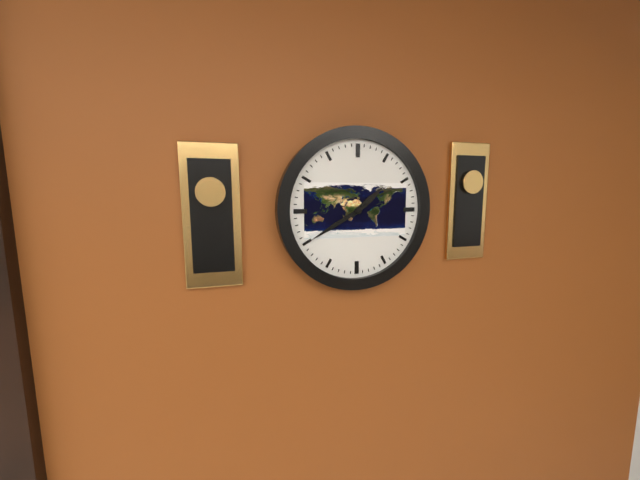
1:40
